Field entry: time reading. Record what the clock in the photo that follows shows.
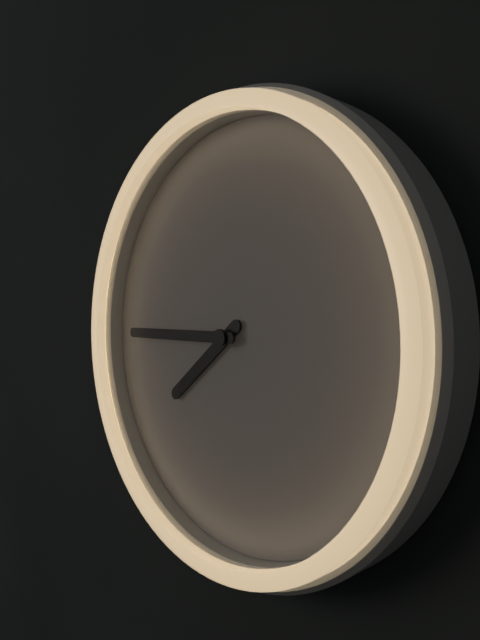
7:45
